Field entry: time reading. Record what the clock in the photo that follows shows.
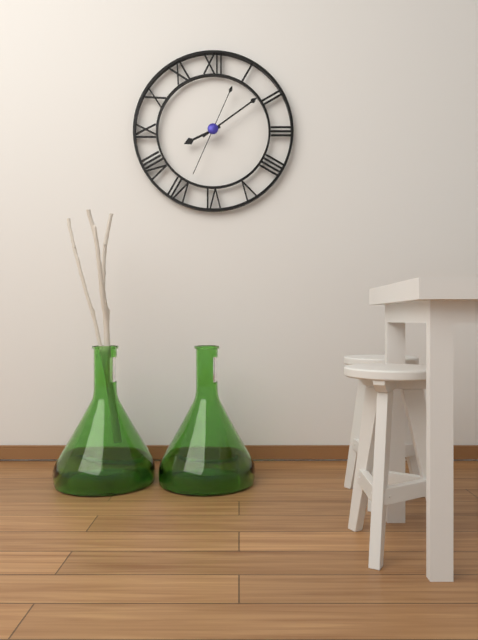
8:09:34
